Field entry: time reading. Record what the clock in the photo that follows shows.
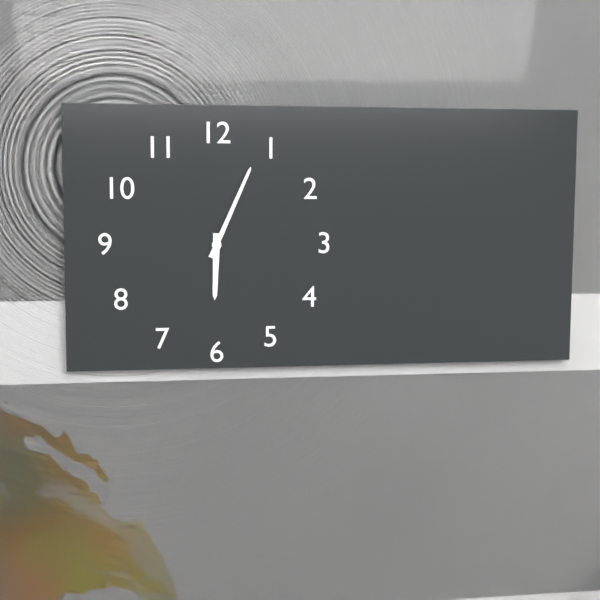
6:04
